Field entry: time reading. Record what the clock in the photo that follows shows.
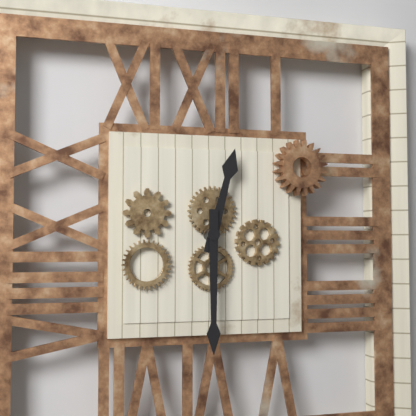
12:30
